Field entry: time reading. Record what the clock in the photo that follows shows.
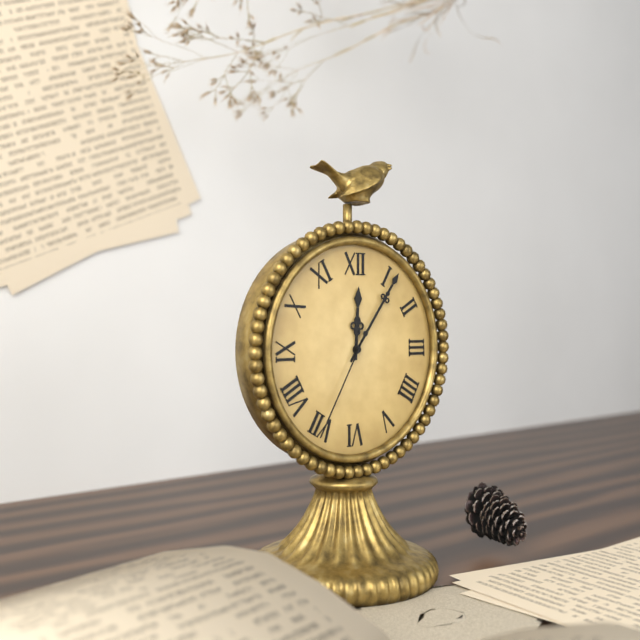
12:06:35
